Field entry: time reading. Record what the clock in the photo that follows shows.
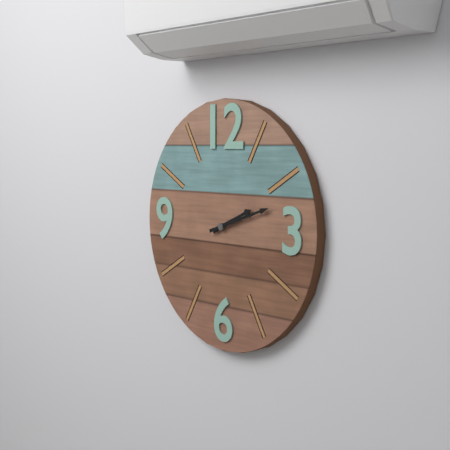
2:12
